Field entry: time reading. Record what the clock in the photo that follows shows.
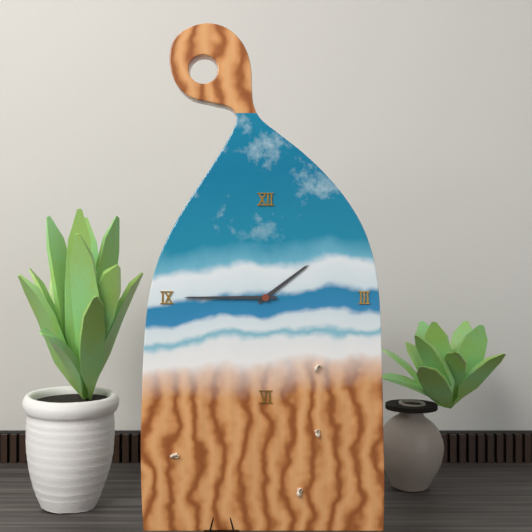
1:45
